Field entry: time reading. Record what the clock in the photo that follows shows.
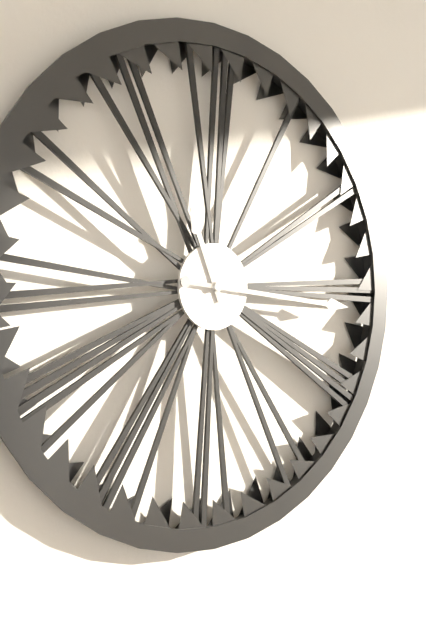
11:16
